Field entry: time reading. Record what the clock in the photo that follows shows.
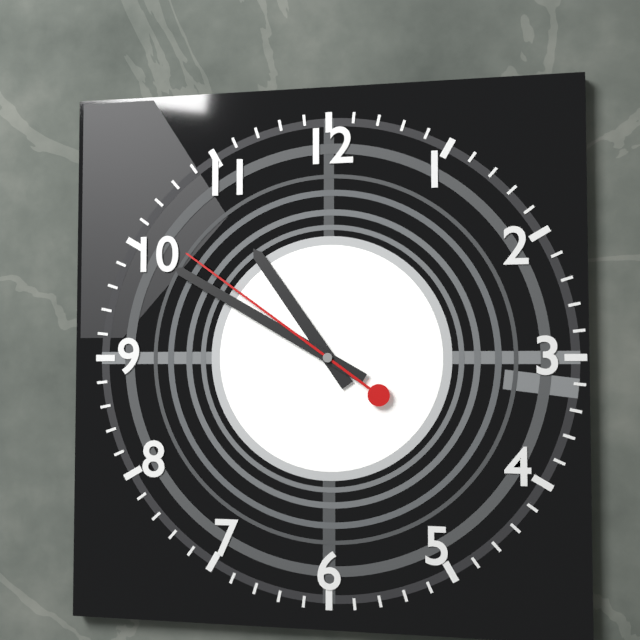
10:50:51
